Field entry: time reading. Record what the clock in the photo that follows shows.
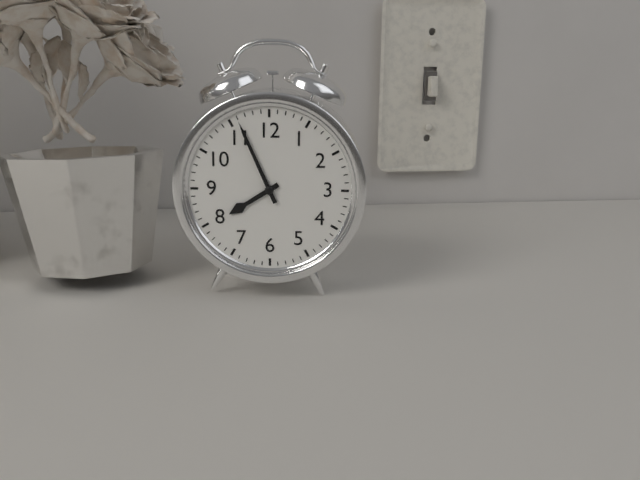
7:56
